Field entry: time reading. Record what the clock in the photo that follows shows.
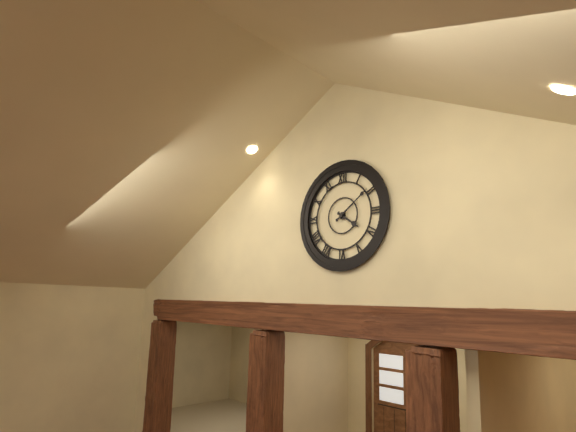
4:09
